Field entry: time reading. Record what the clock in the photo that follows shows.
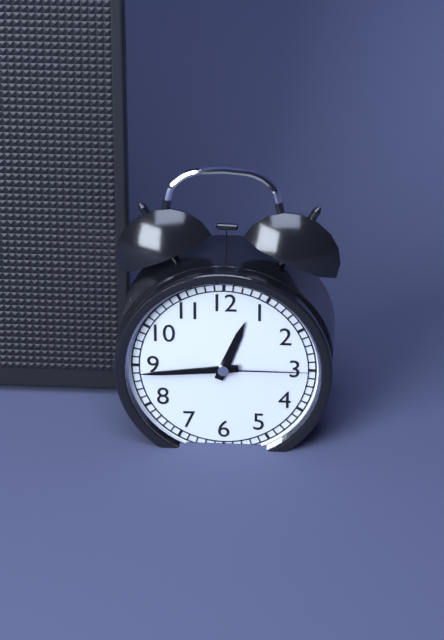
12:44:15
